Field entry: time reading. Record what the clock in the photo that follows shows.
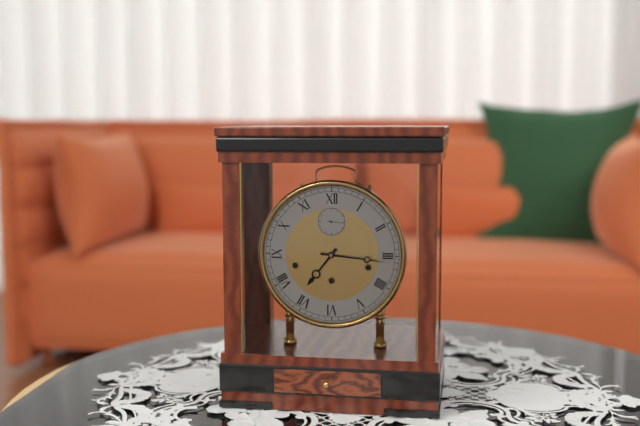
7:16
